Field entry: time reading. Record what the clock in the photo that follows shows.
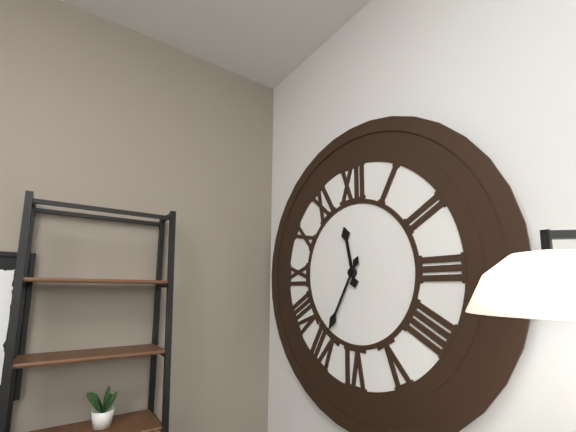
11:35
